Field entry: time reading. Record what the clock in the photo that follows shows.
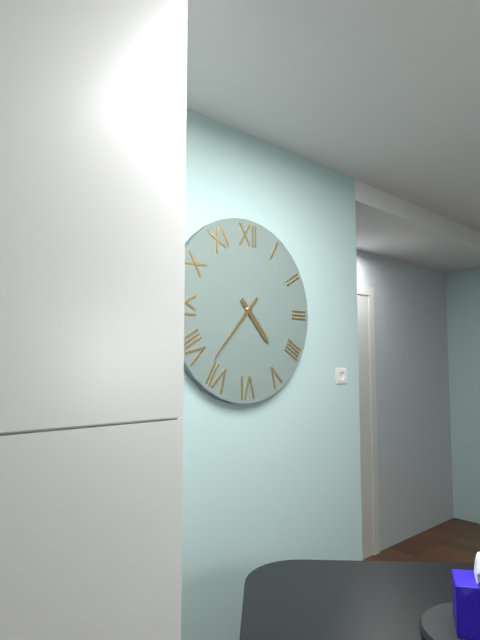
4:37
